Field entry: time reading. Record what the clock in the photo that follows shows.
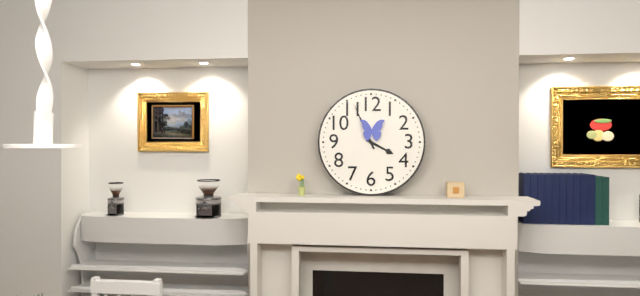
3:56
